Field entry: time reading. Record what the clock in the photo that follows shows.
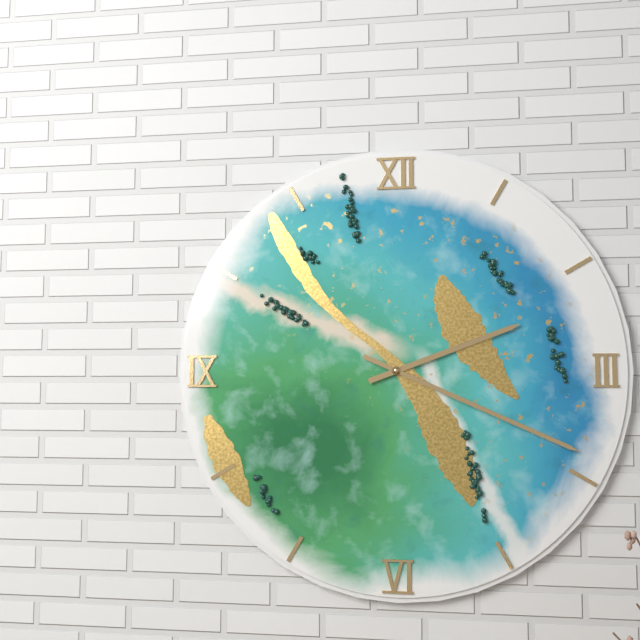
2:19
